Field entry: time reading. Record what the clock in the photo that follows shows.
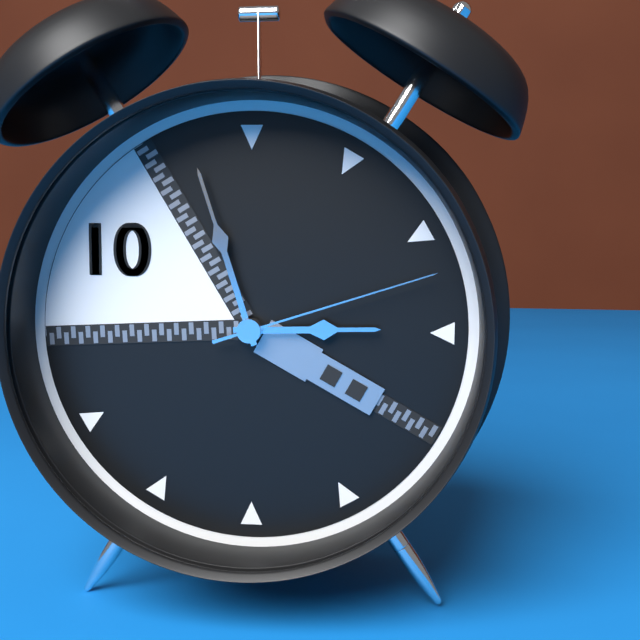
2:57:12
